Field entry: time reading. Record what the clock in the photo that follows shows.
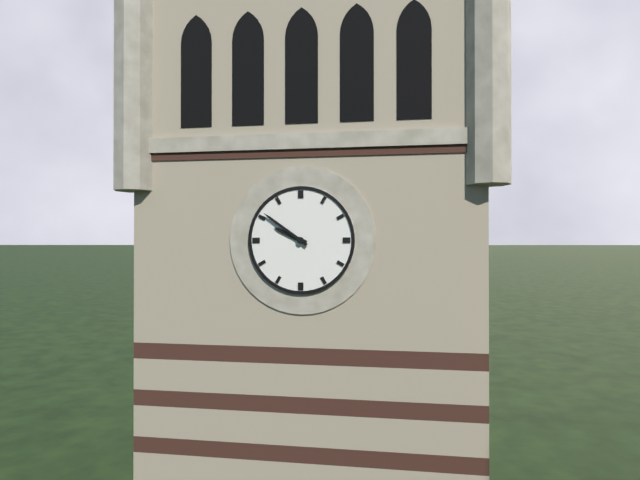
9:51
